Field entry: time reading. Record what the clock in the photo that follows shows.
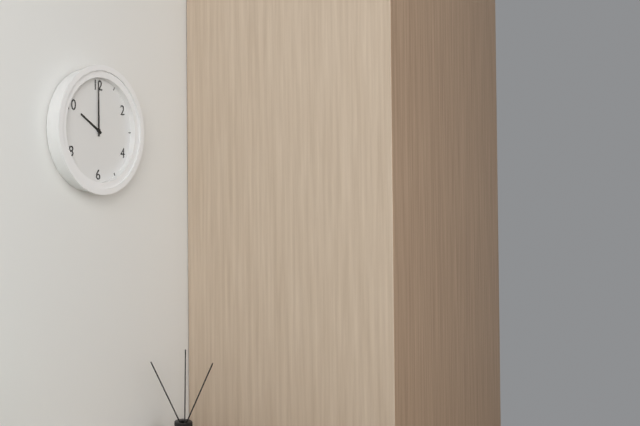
10:00
